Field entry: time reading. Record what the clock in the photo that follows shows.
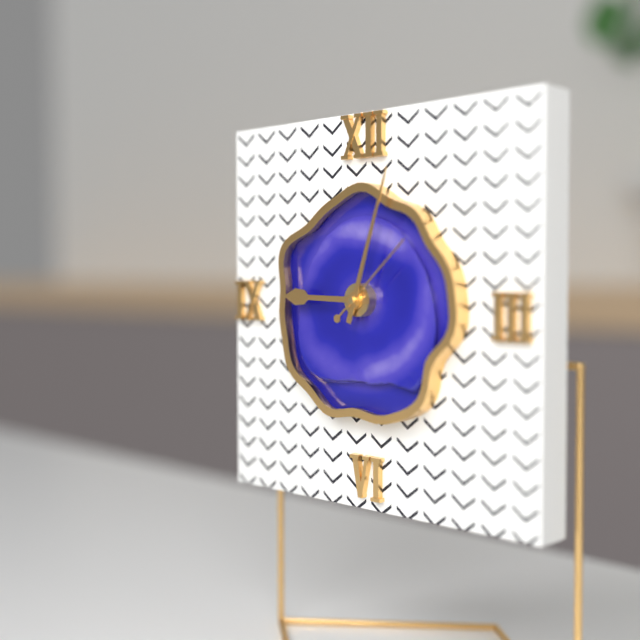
9:03:08
